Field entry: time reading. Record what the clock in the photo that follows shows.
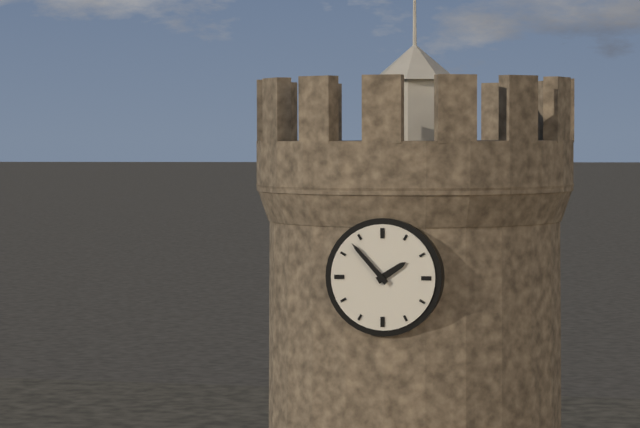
1:53
